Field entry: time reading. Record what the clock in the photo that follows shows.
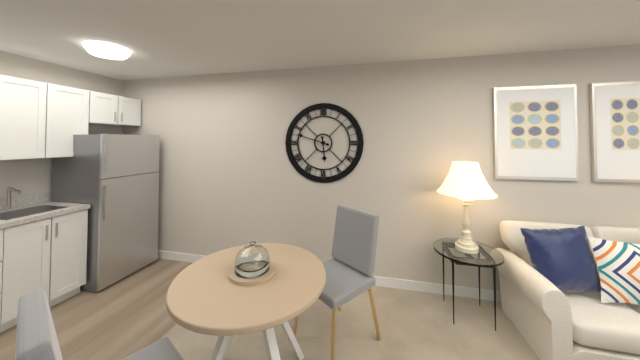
5:48
